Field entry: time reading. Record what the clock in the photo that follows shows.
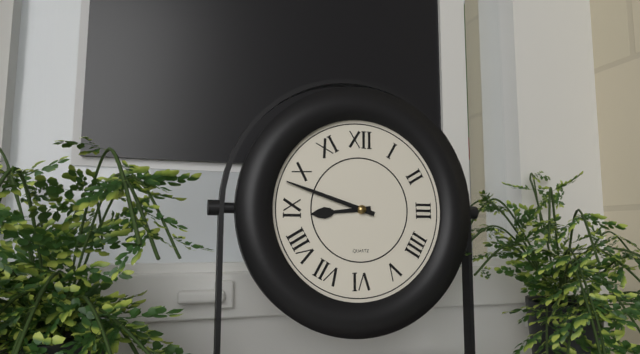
8:48
